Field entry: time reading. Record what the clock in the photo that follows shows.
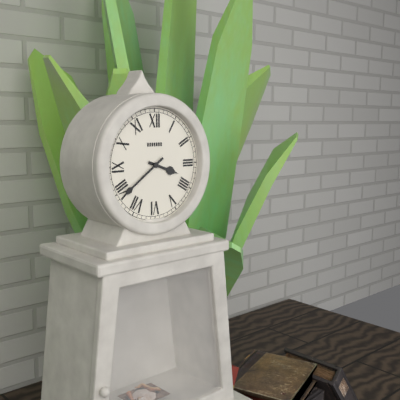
3:39
